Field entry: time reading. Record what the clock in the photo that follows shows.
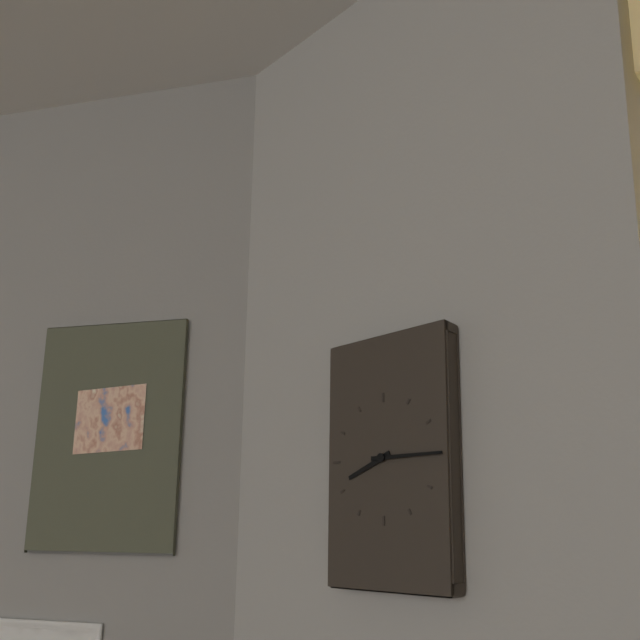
8:15
